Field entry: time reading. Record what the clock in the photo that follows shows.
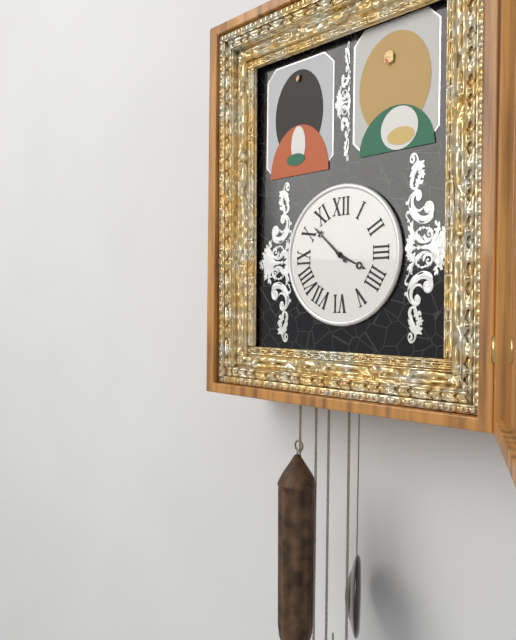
3:52
